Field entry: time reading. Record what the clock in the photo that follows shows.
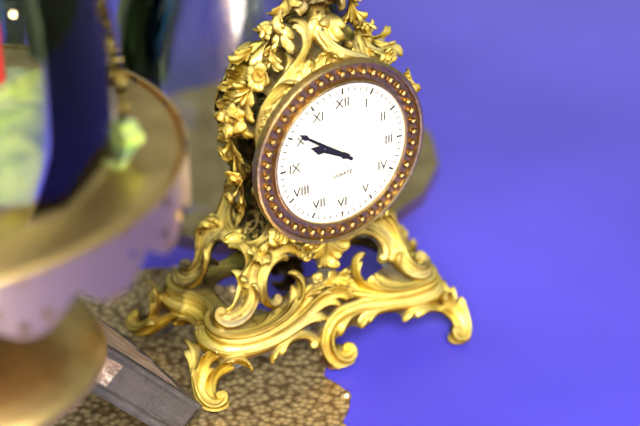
9:51
